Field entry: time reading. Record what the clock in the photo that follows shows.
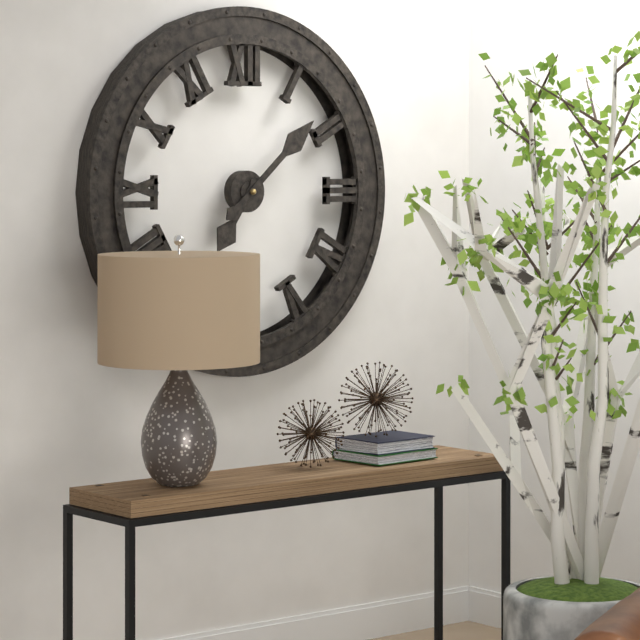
7:08
